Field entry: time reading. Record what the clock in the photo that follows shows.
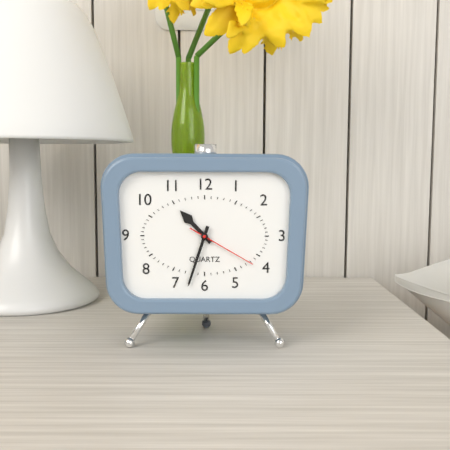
10:33:20
